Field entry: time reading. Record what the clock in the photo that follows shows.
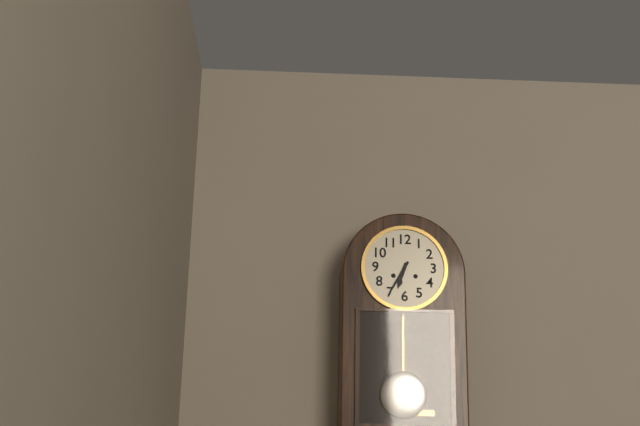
6:35
